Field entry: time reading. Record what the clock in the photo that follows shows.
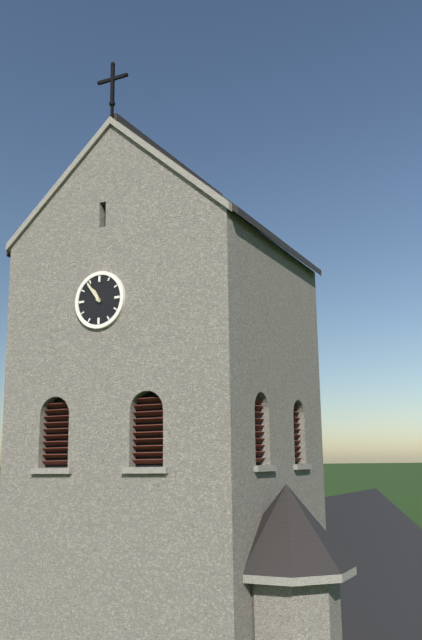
10:54
